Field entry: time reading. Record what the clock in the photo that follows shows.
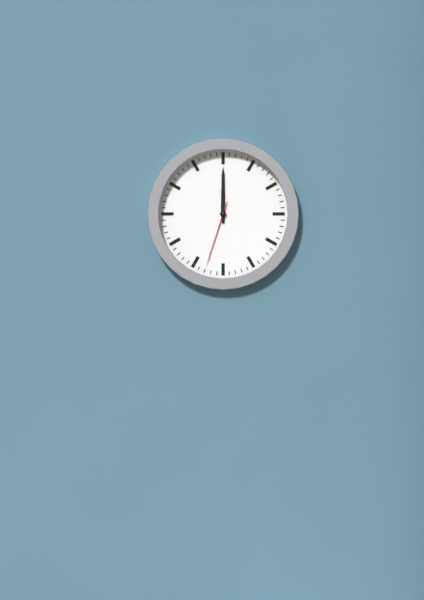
12:00:33
